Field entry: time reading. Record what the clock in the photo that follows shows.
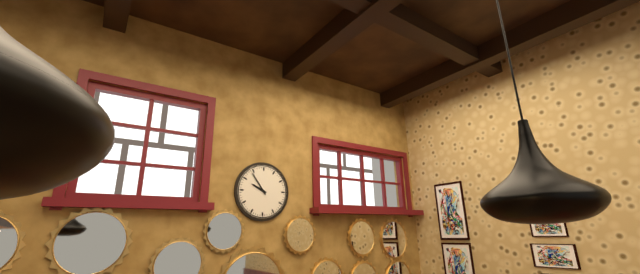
9:54
